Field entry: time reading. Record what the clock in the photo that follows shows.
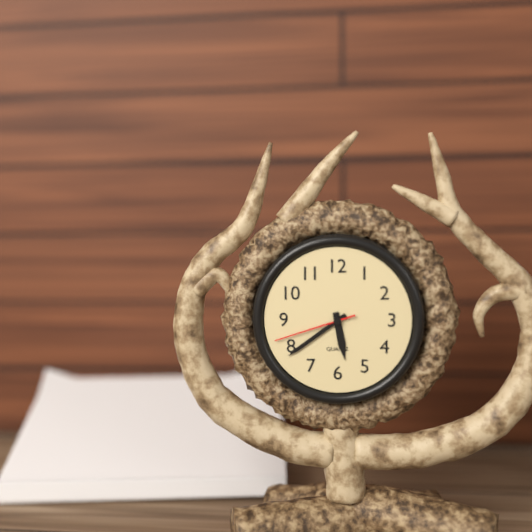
5:39:42
